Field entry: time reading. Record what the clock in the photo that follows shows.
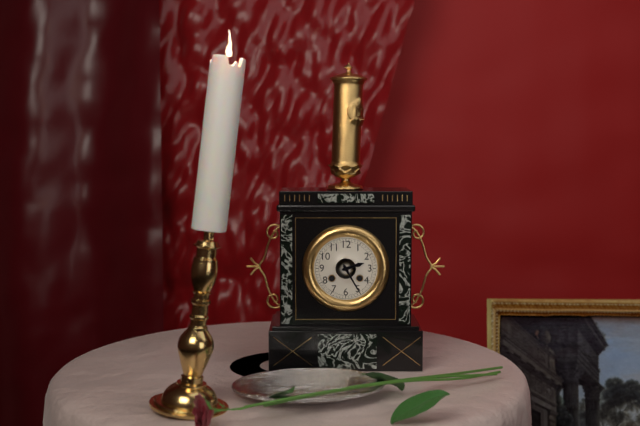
2:25
